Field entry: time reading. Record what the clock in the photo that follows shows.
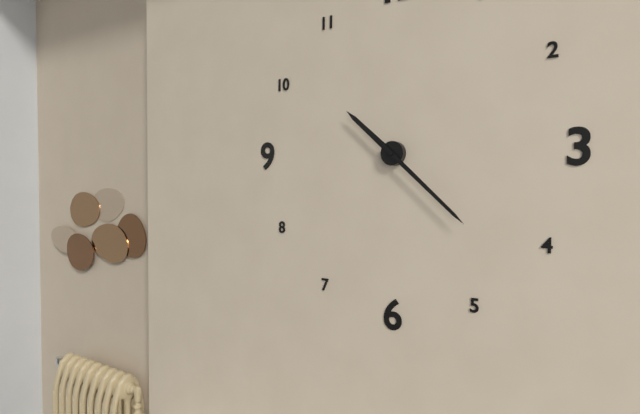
10:22
